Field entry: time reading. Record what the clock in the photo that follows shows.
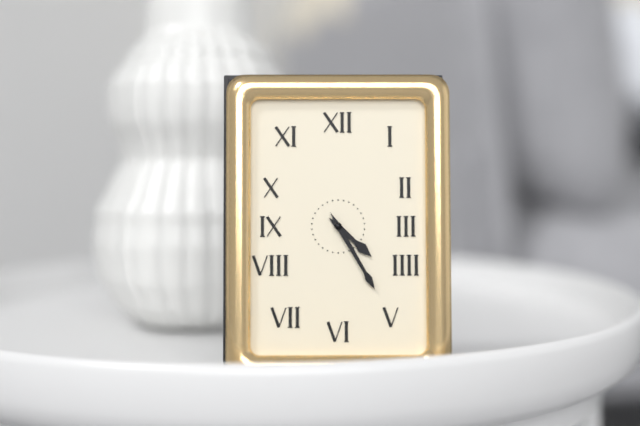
4:25
